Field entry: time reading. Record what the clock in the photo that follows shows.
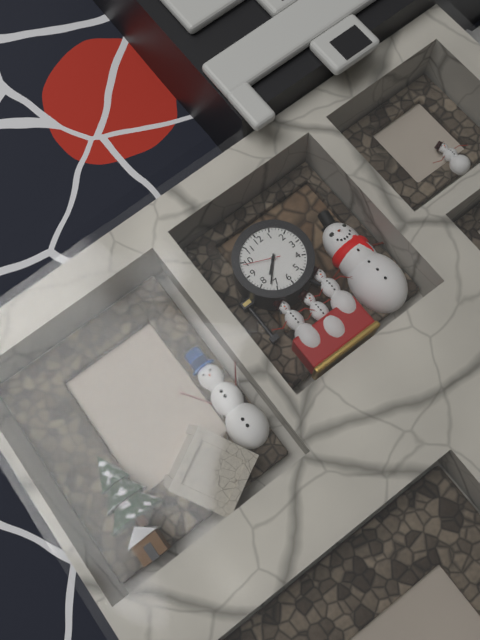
7:37
